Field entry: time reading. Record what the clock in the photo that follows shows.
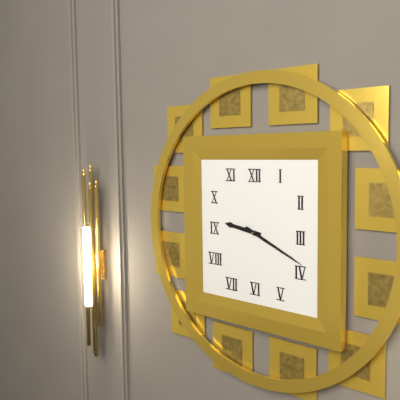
9:19
